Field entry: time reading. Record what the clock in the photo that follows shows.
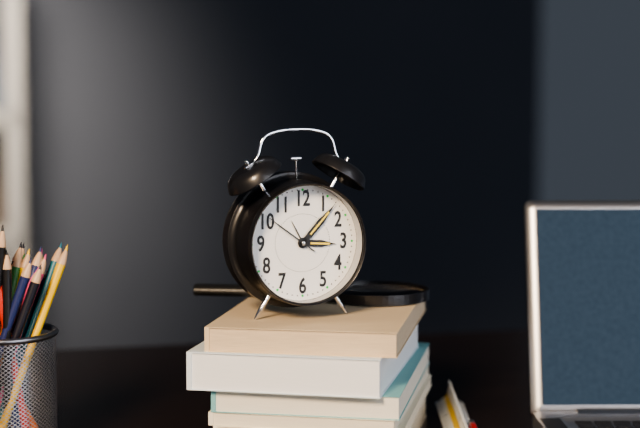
3:07:51
